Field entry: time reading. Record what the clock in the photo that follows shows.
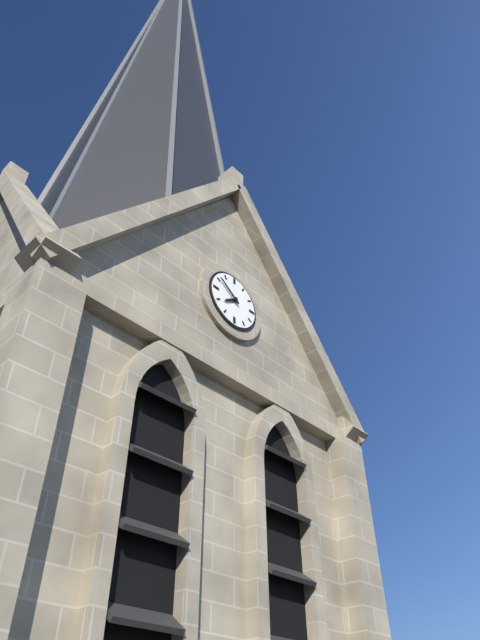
7:51
